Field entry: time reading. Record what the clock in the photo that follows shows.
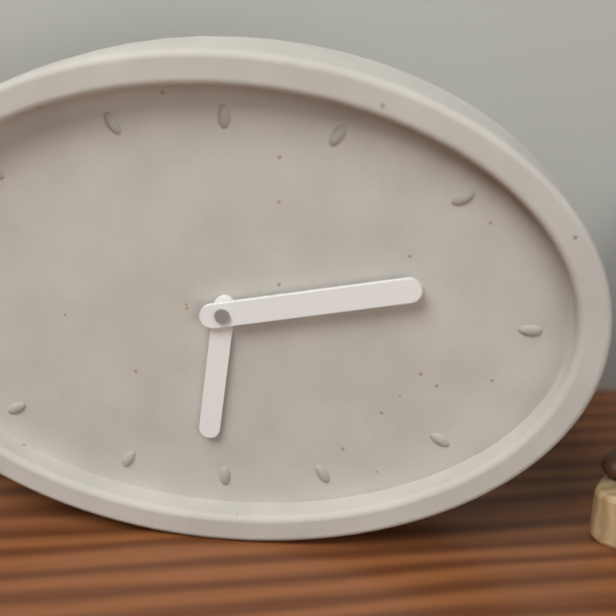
6:13
